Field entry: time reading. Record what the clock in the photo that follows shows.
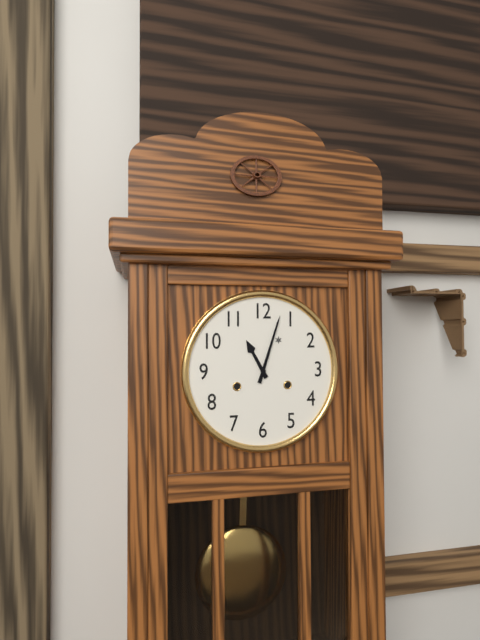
11:03
